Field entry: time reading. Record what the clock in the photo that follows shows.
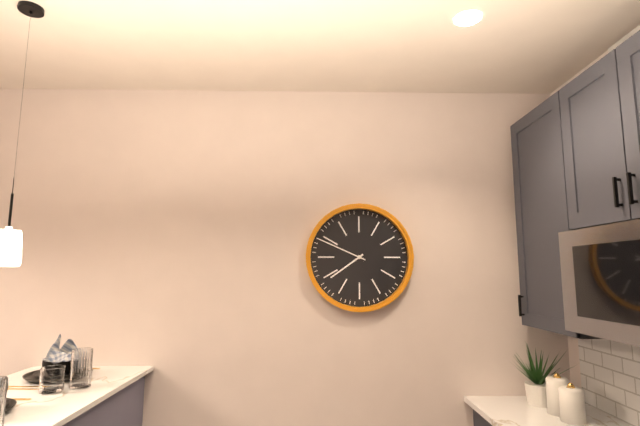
7:49
